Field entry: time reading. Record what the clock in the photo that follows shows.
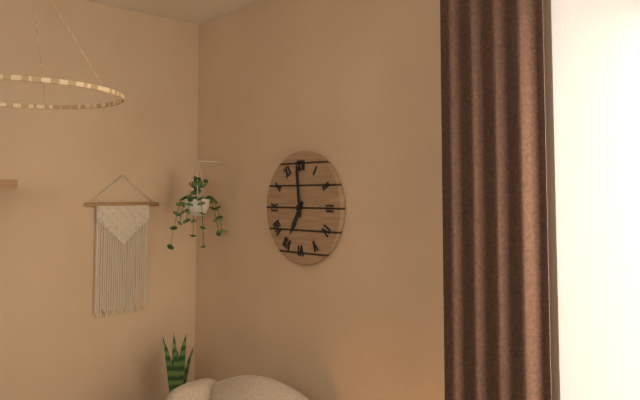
6:59
